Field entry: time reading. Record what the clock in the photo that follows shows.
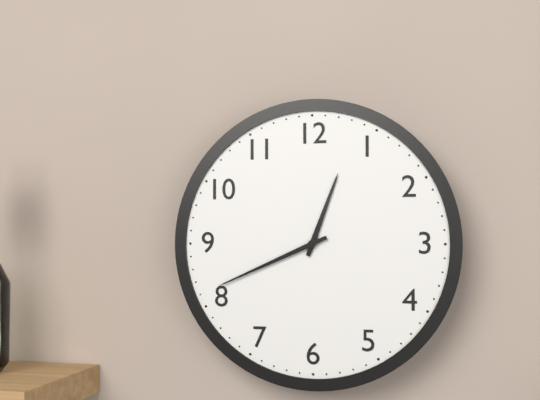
12:41
